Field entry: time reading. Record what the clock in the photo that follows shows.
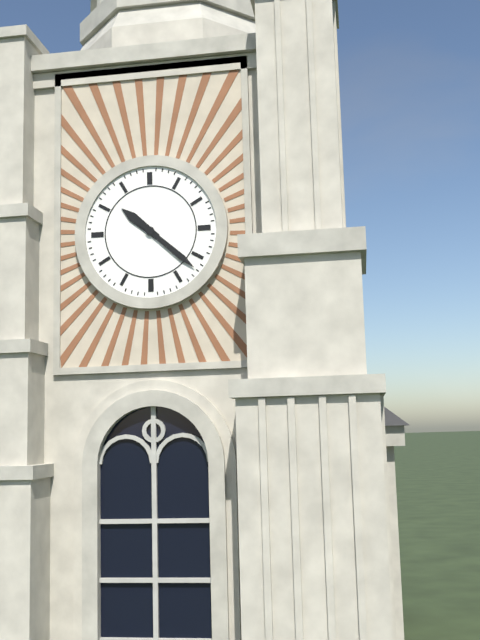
10:22
